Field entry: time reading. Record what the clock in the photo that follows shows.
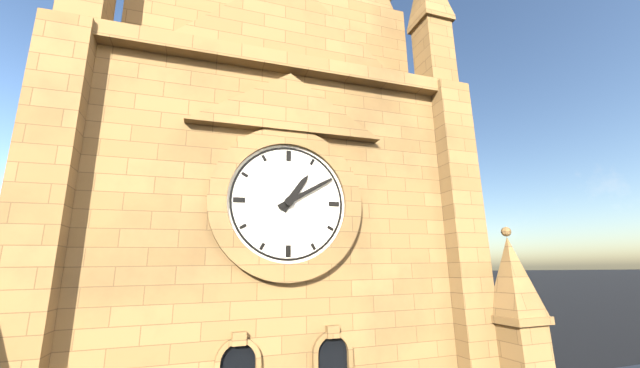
1:10
